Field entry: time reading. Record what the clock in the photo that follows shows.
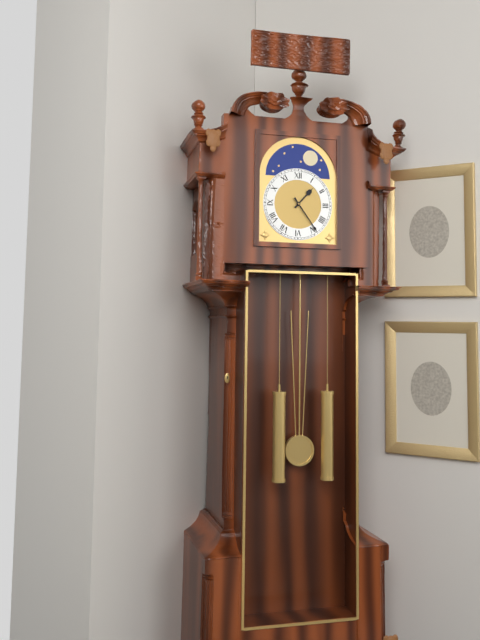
1:24
